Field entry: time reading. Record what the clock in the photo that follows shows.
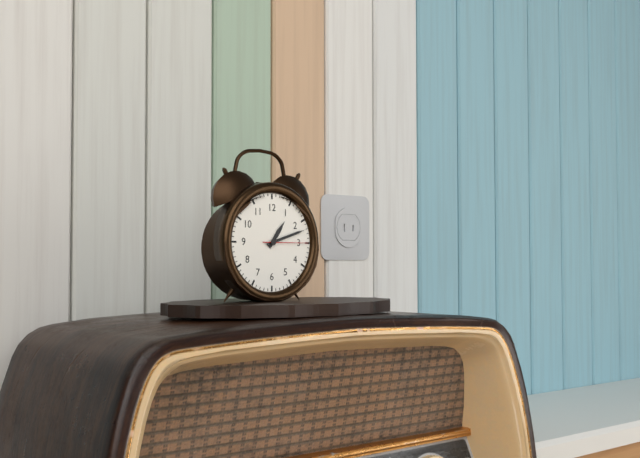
1:12
